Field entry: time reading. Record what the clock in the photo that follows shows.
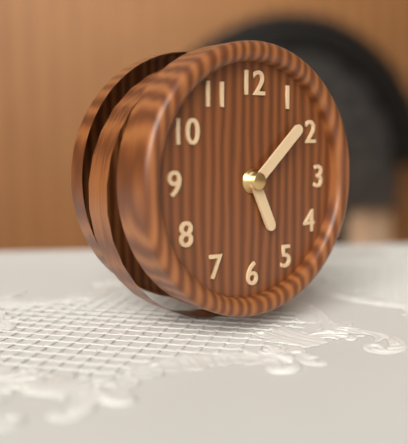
5:08
